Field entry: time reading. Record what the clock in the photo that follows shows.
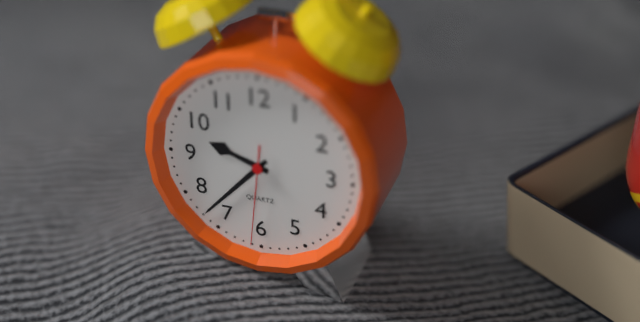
9:37:31
